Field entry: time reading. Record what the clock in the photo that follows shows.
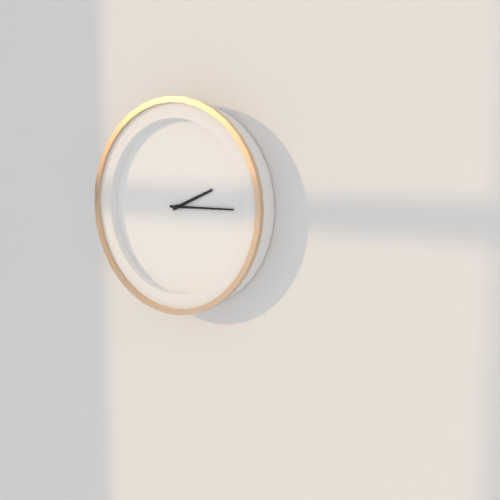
2:15
